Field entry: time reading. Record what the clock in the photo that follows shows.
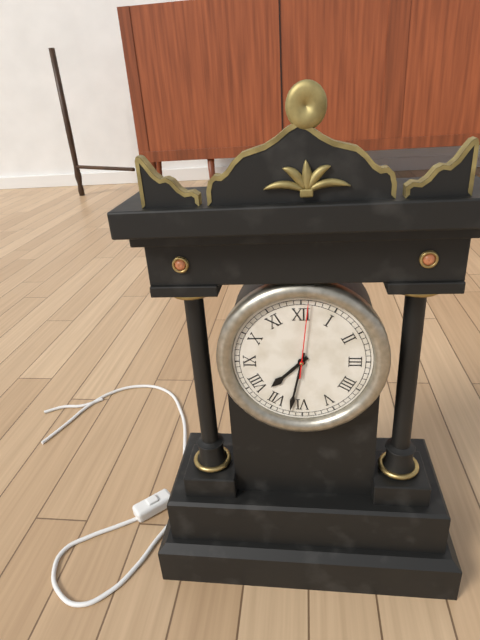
7:32:01
